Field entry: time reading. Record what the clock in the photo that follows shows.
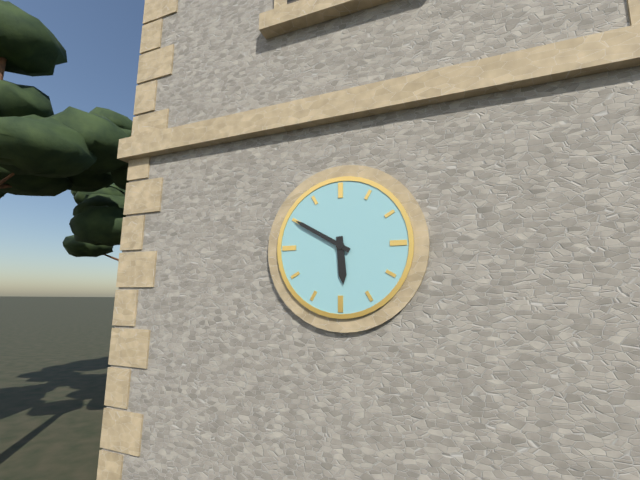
5:50
